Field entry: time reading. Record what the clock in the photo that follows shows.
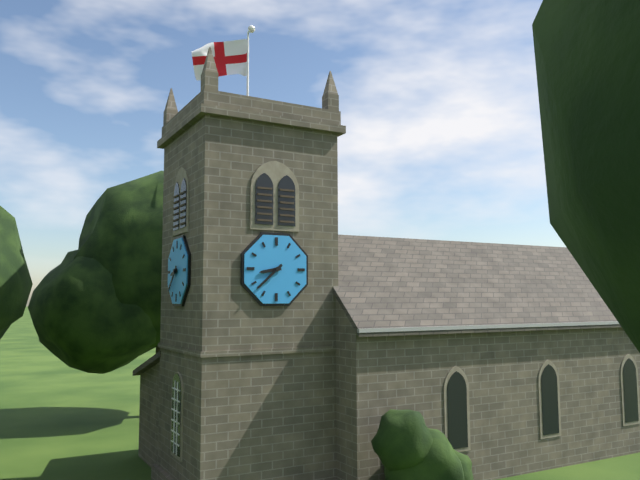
8:38
